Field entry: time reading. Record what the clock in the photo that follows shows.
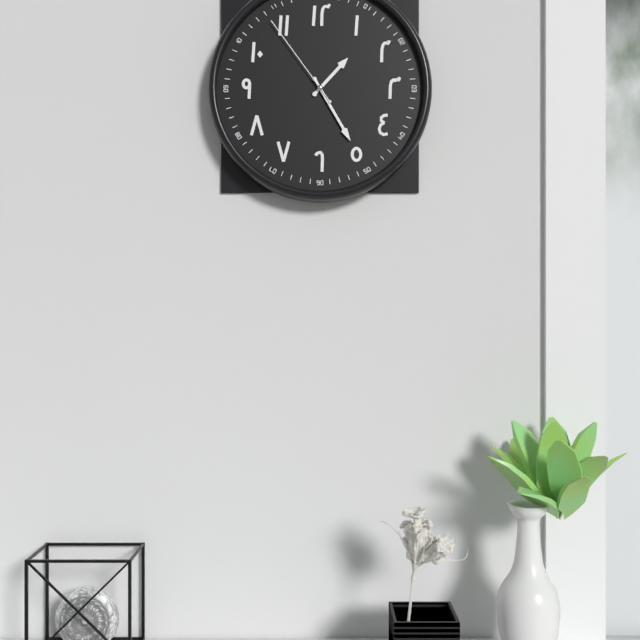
1:25:54
